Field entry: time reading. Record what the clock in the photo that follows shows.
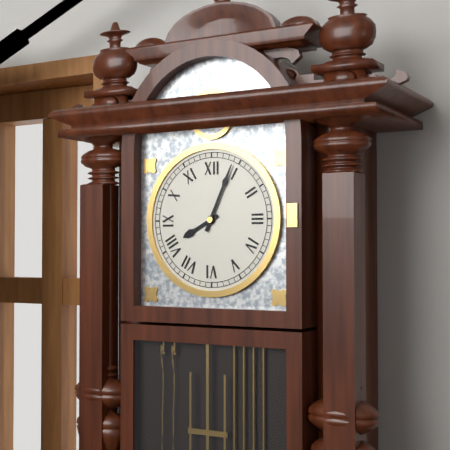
8:04
